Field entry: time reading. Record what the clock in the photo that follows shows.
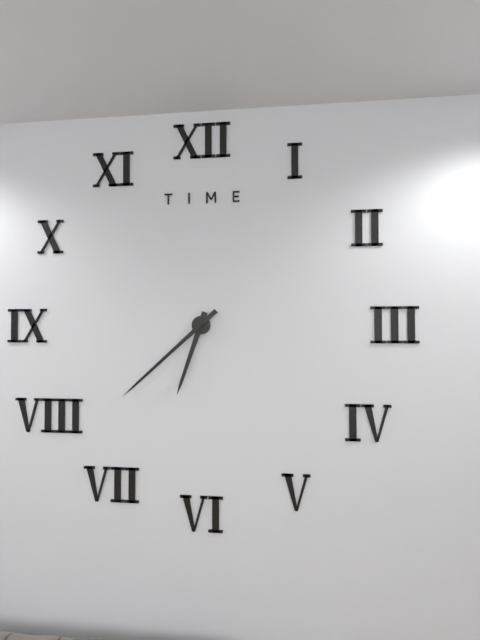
6:38
